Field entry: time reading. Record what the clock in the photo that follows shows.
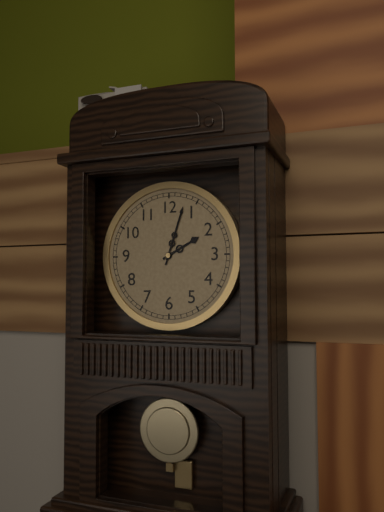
2:03
